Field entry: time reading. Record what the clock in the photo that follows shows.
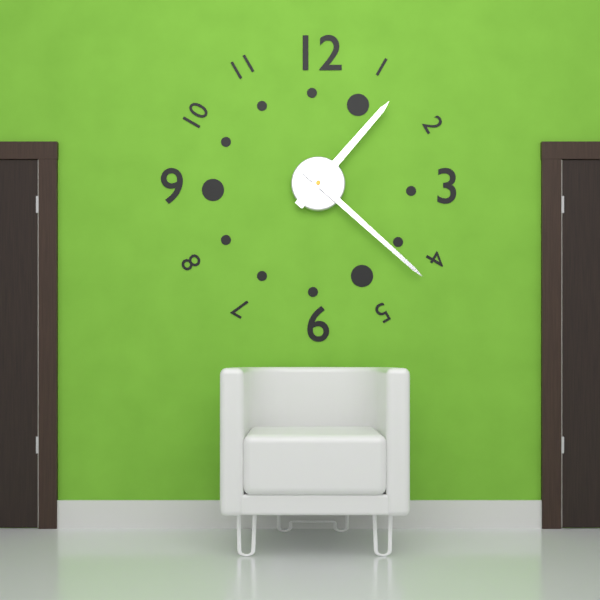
1:22
